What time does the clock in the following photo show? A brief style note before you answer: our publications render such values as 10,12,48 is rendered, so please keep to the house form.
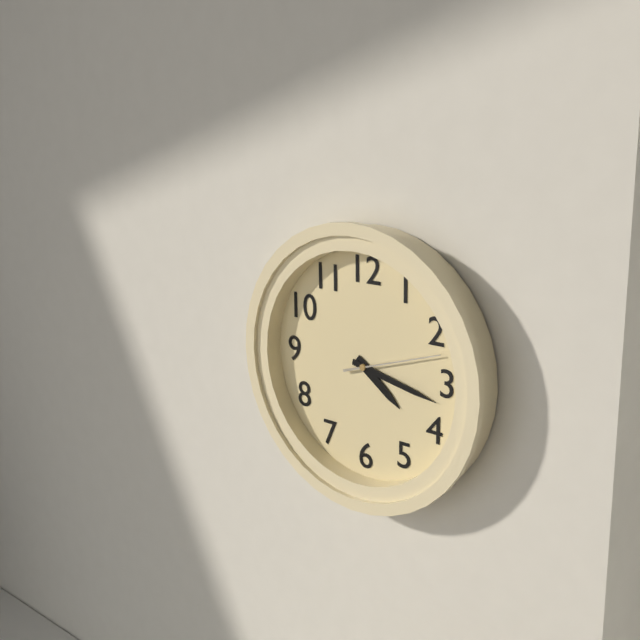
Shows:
4,17,12
